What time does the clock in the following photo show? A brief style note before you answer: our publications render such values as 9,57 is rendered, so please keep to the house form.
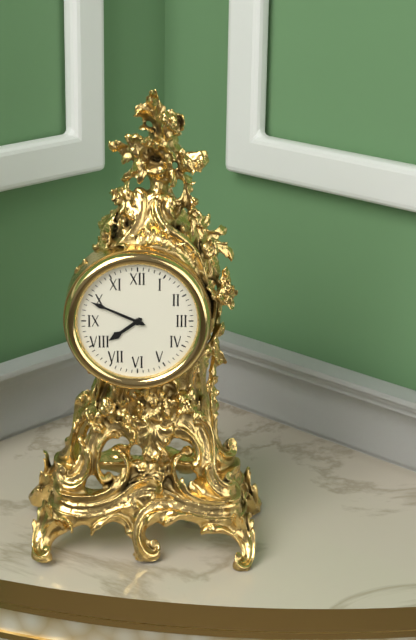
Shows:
7,49
